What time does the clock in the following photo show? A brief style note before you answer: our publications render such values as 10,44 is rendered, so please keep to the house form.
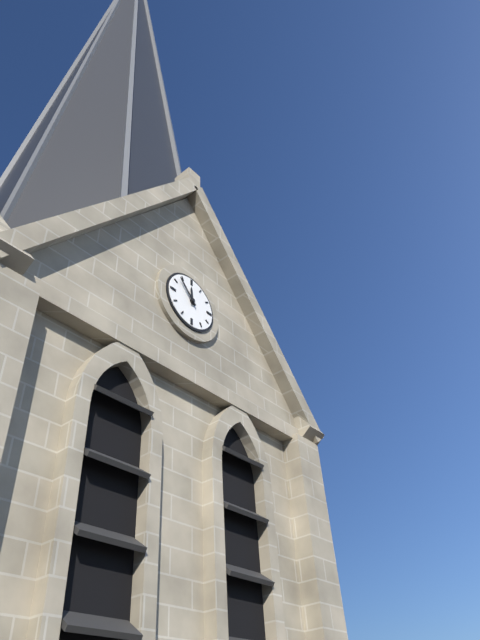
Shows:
11,53
